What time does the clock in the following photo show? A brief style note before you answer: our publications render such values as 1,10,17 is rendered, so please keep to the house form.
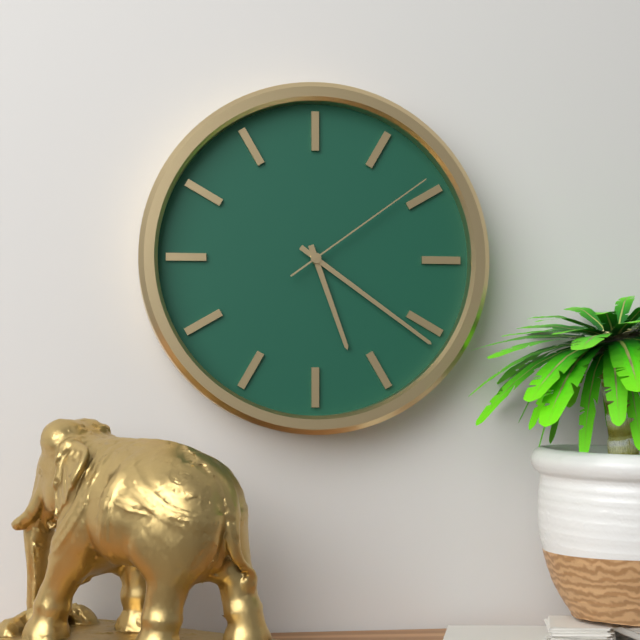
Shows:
5,21,09
